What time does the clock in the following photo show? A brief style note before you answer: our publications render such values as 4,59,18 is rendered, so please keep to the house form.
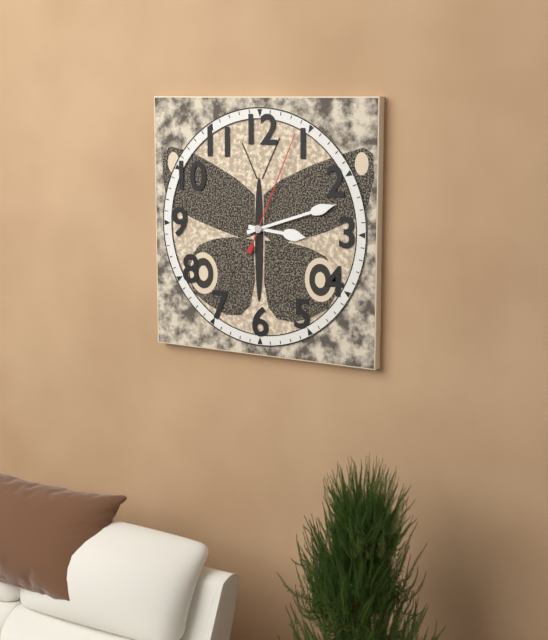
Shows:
3,12,04
